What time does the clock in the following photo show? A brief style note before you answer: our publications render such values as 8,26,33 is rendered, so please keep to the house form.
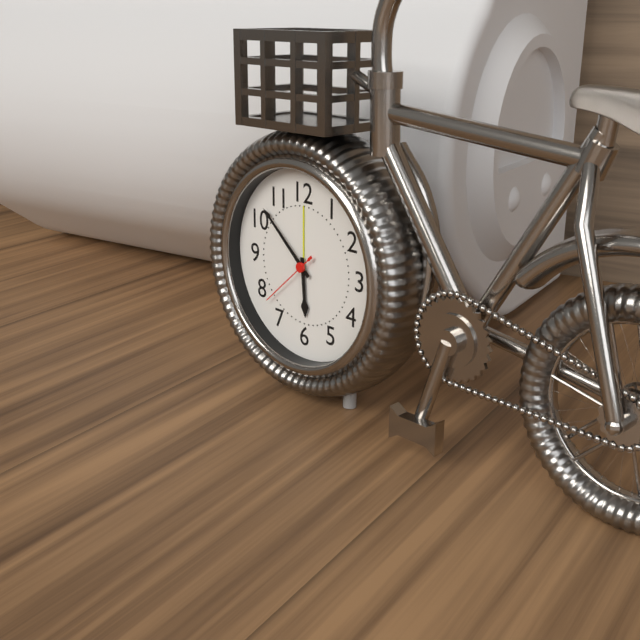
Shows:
5,52,38
